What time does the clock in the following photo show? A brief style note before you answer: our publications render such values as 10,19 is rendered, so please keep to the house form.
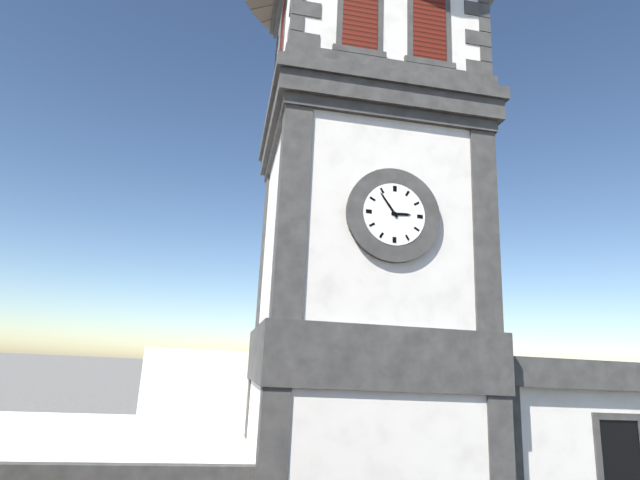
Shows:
2,54
